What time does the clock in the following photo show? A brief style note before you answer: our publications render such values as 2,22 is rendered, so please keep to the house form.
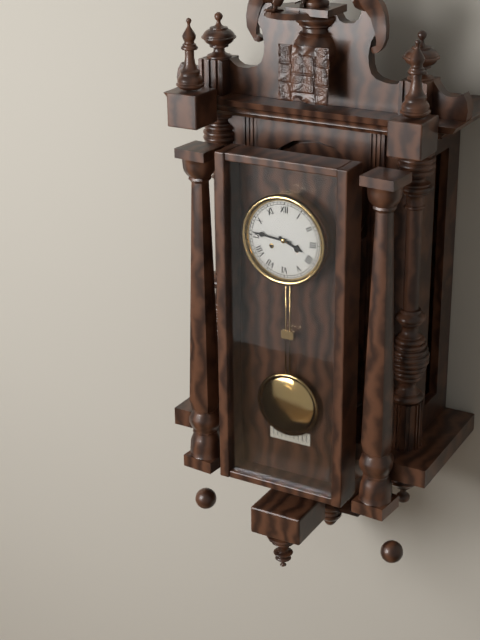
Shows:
3,46
